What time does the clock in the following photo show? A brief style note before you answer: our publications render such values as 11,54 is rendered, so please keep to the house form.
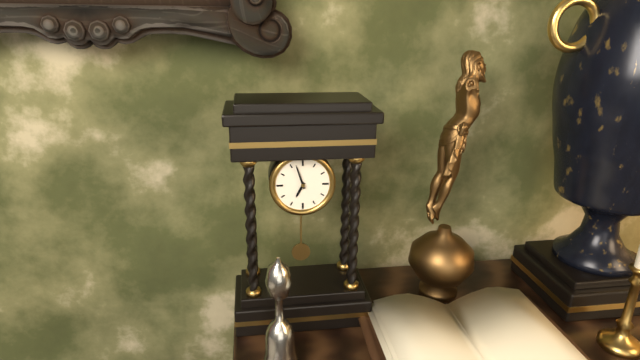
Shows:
6,57
